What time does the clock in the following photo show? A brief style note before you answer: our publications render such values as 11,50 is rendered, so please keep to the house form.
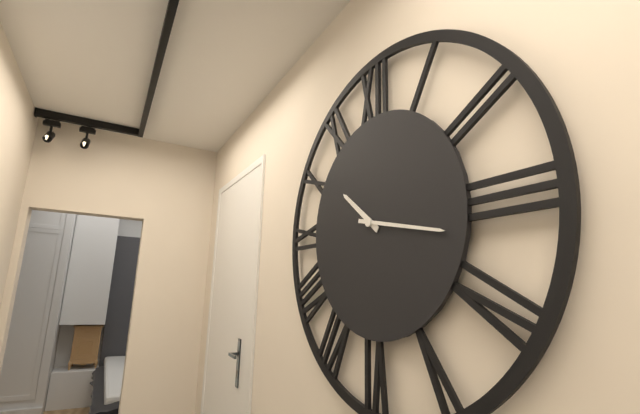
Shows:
10,17
